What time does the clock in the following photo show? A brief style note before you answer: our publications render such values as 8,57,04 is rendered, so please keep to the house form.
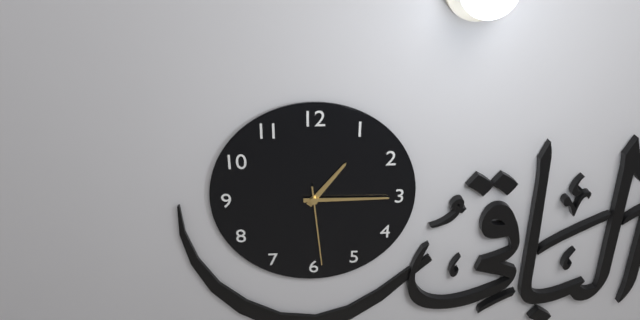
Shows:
1,15,29
